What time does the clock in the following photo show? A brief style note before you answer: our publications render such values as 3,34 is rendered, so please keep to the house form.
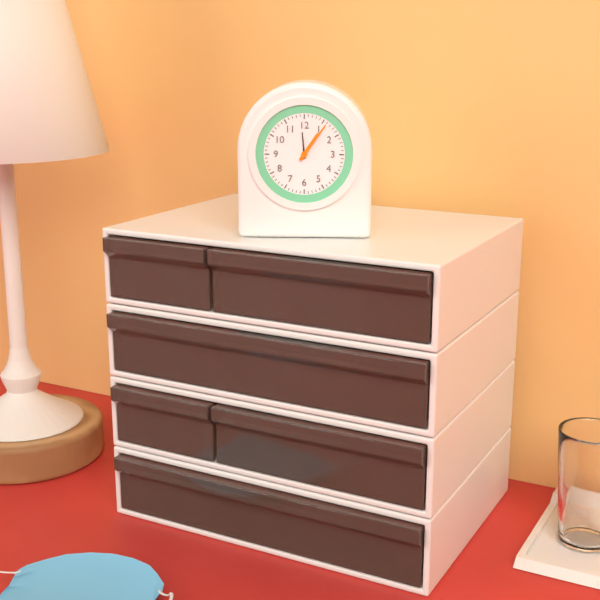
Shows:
1,06
